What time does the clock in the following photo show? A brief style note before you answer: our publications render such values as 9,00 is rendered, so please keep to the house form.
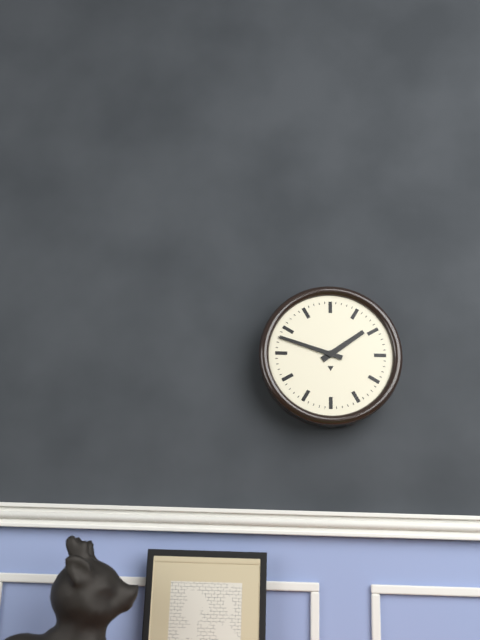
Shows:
1,48
